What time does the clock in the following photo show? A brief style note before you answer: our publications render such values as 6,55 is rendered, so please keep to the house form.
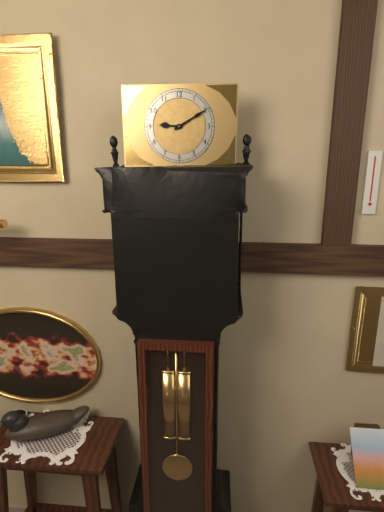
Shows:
9,10
